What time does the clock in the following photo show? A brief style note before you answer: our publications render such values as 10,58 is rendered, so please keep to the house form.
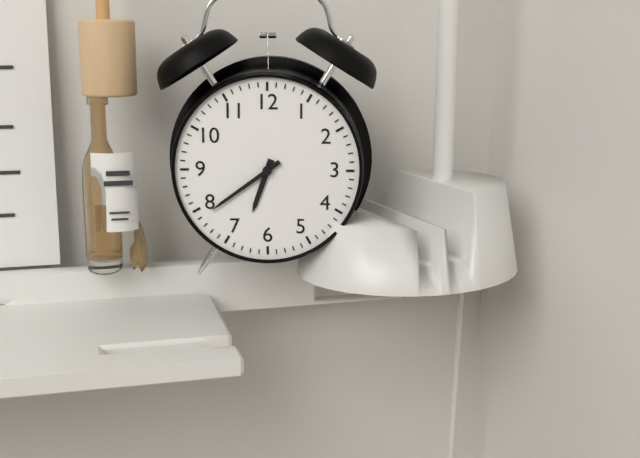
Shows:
6,39
